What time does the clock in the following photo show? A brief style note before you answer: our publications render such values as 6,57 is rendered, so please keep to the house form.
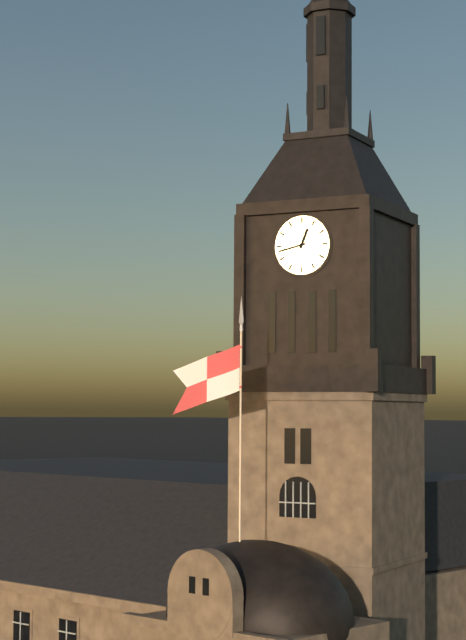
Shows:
12,43
